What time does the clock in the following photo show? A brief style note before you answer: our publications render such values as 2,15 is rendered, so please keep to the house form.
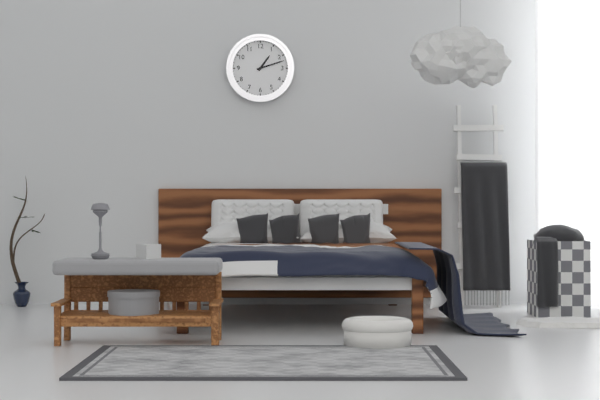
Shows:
1,12
